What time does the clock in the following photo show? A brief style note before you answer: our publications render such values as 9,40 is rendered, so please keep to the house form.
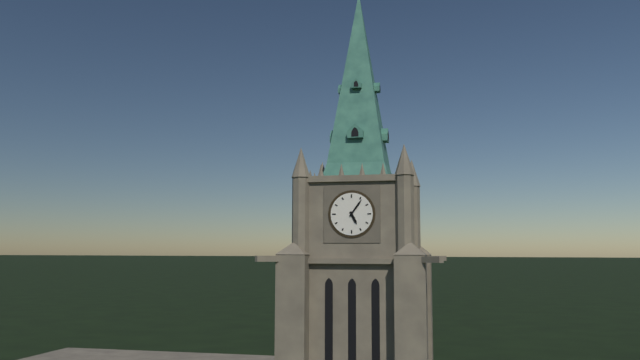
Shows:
5,06
